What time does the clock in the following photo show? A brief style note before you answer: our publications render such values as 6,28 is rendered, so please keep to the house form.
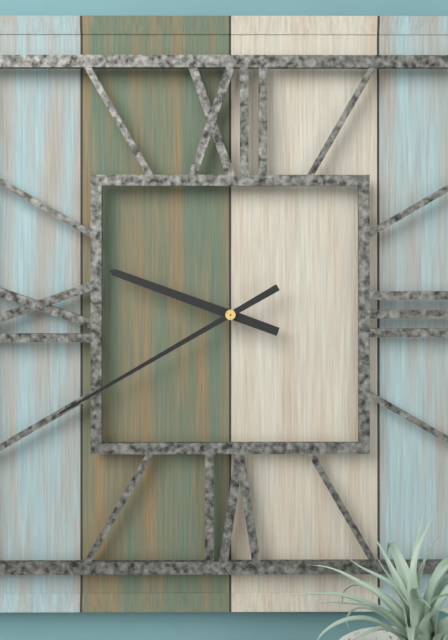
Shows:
9,40
